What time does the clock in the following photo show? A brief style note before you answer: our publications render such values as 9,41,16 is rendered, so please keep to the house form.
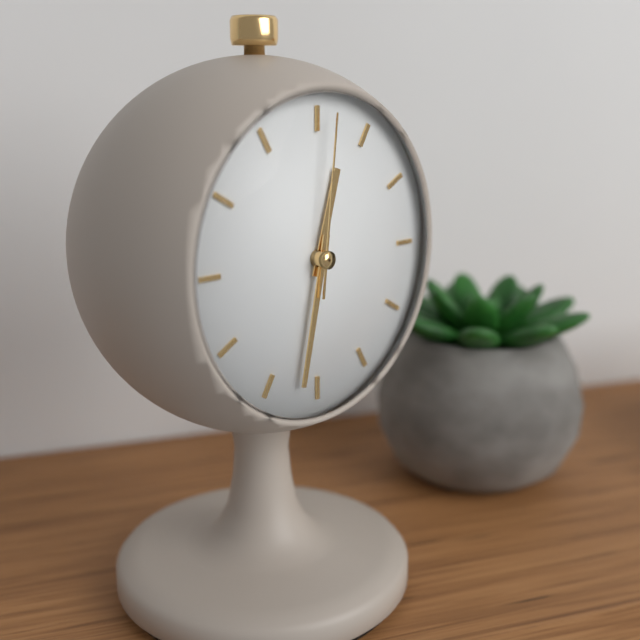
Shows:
12,32,01
